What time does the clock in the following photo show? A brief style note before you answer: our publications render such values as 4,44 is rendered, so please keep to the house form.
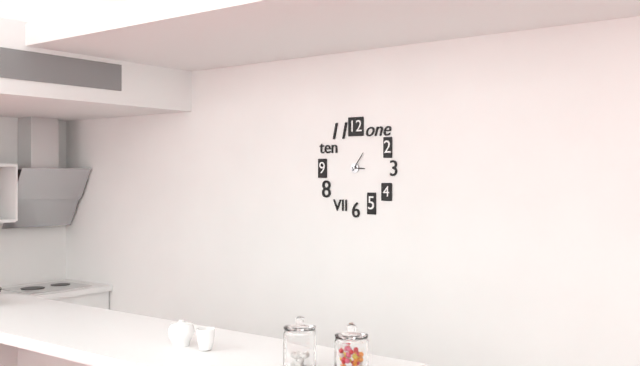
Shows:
3,06
